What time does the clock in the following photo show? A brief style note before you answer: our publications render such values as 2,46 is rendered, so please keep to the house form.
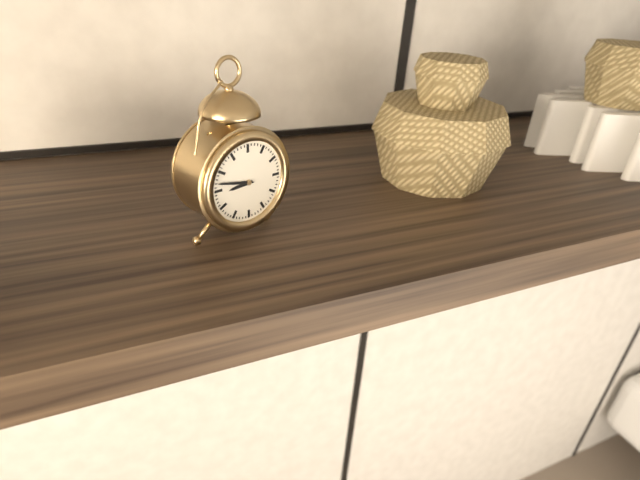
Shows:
8,47
